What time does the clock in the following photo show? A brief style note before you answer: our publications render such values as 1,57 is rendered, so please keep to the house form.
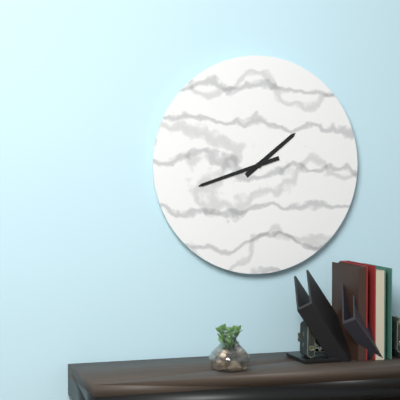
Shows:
1,42
